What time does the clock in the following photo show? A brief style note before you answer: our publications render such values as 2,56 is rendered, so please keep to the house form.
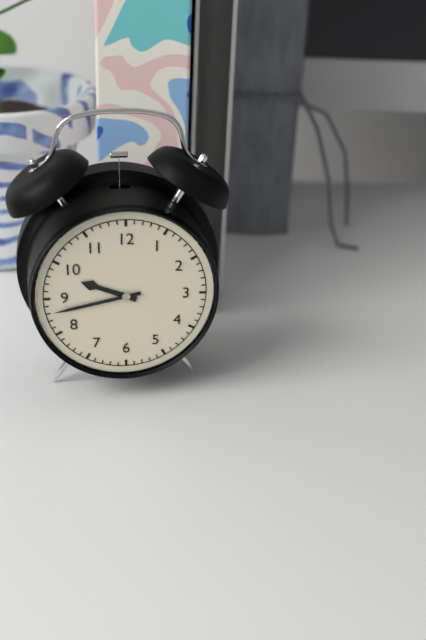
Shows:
9,43
